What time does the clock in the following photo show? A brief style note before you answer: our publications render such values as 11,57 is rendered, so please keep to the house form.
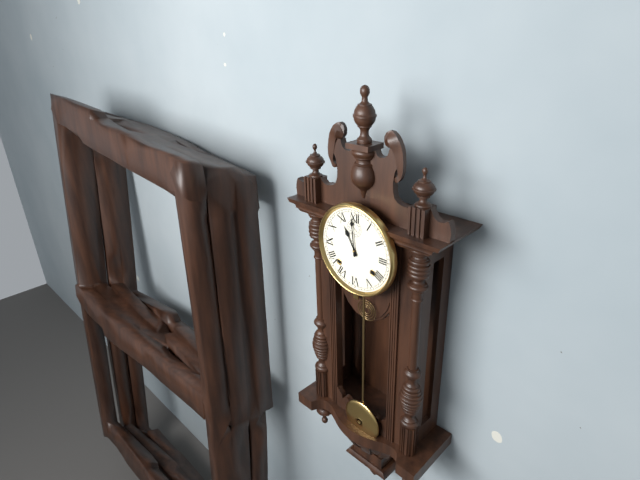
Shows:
10,59
